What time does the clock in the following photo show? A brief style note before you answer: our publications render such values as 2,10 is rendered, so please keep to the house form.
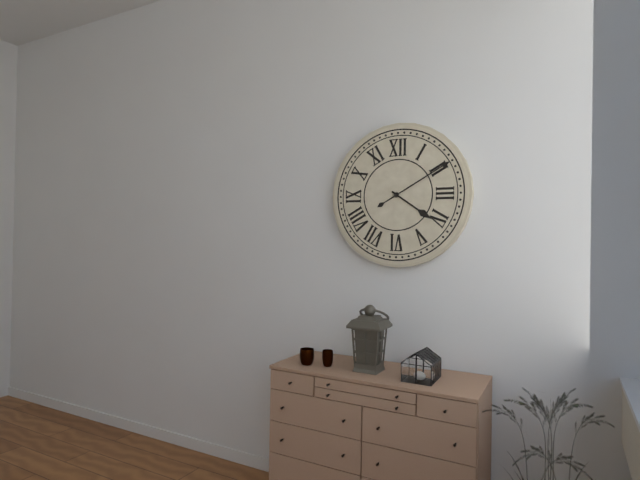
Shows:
4,10
